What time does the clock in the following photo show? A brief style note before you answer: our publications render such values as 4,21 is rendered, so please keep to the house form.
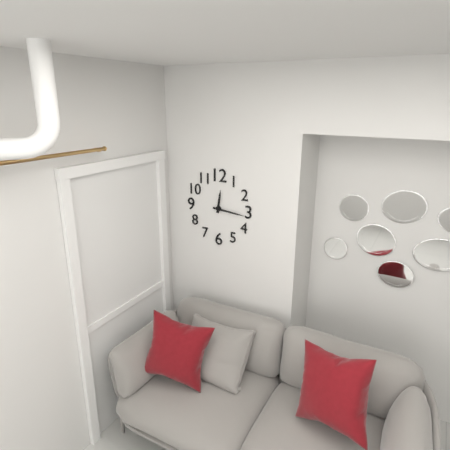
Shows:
12,16
